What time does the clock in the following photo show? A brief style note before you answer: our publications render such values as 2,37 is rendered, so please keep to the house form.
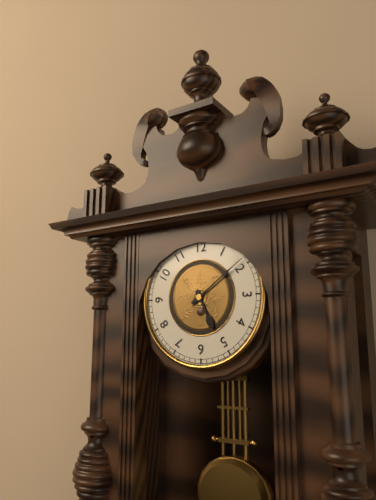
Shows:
5,09
